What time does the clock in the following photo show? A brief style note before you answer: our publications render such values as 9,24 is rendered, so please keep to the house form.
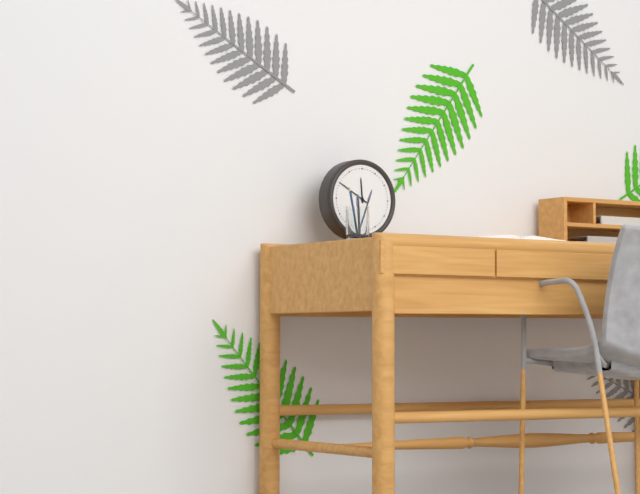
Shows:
11,50
